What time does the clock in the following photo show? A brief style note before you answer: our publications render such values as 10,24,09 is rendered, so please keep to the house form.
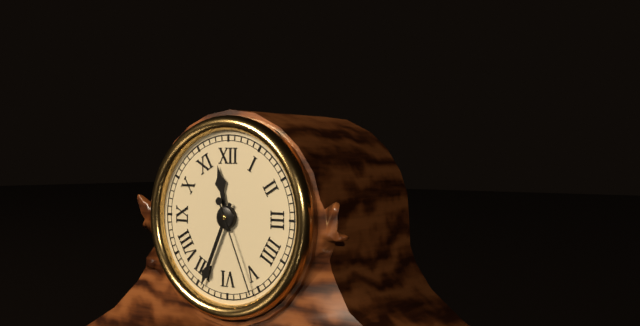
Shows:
11,34,26
